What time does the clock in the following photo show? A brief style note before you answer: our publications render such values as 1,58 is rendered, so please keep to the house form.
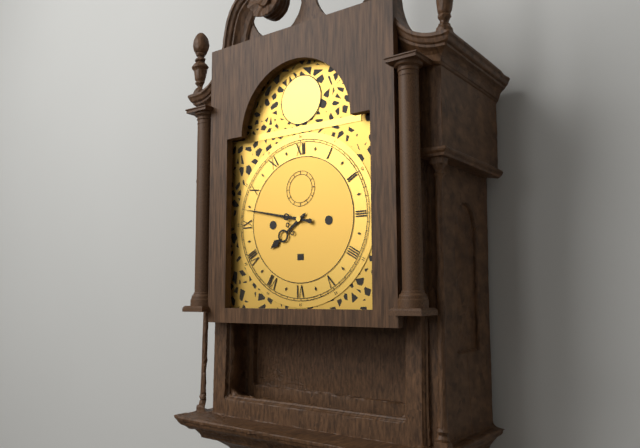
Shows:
7,47
